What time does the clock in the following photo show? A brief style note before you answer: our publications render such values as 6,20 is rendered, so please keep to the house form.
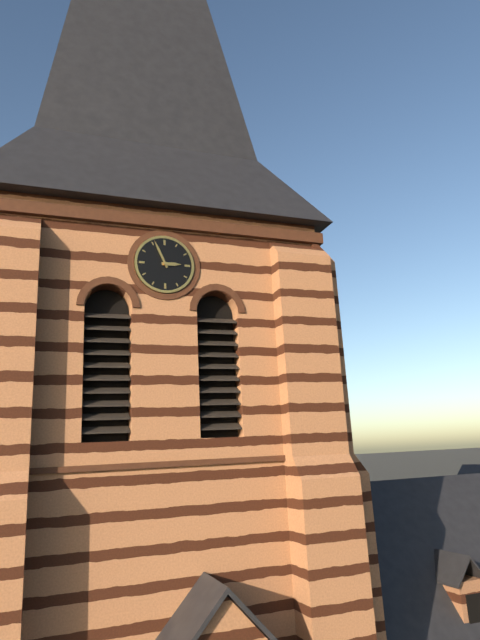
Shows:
2,56
